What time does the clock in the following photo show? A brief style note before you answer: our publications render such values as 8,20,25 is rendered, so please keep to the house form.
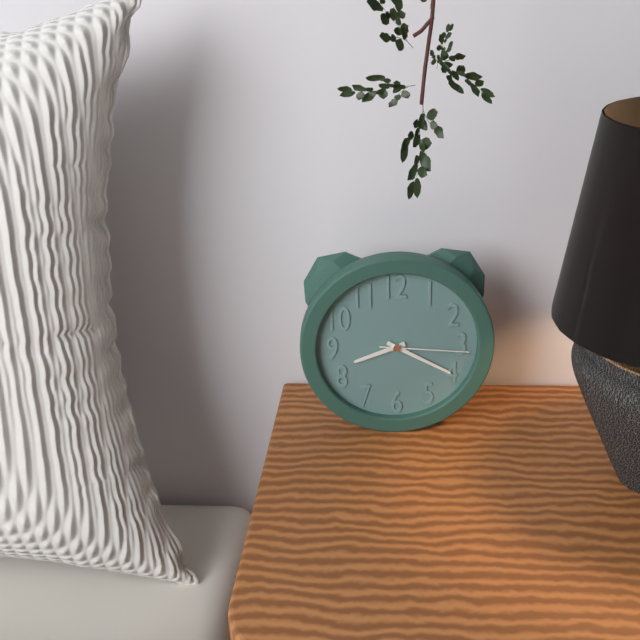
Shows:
8,20,16
